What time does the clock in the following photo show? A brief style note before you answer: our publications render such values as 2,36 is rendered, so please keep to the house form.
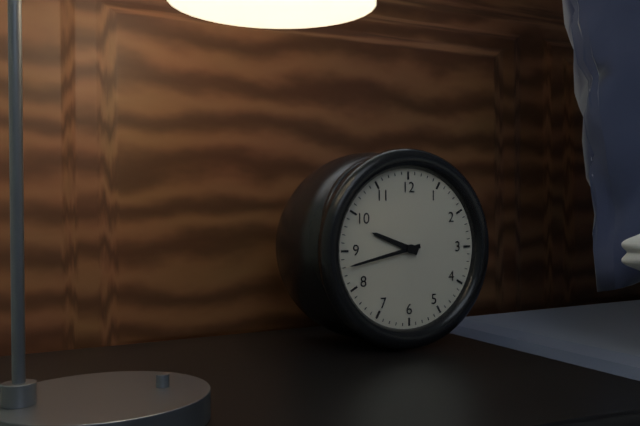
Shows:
9,43
